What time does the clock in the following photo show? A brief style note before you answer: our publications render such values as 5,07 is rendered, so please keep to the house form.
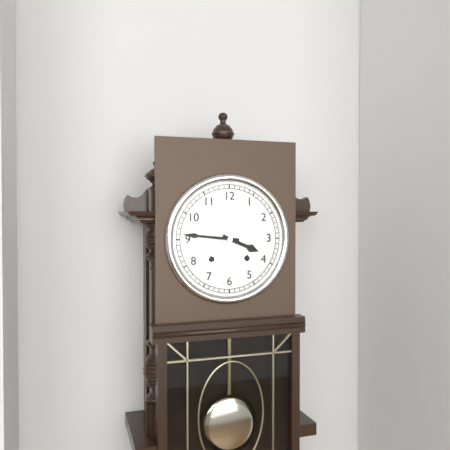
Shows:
3,46
